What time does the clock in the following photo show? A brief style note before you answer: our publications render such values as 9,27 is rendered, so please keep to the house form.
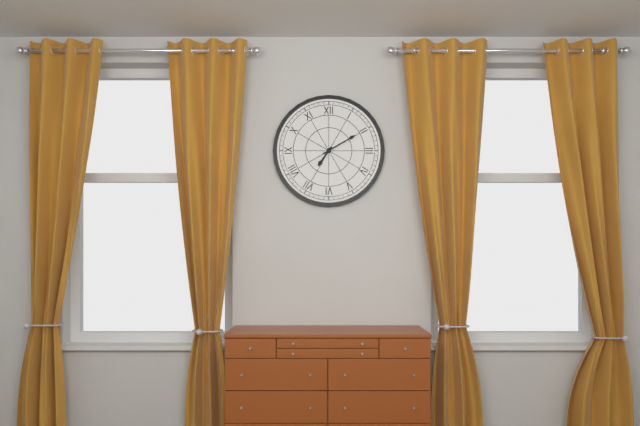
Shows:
7,10
